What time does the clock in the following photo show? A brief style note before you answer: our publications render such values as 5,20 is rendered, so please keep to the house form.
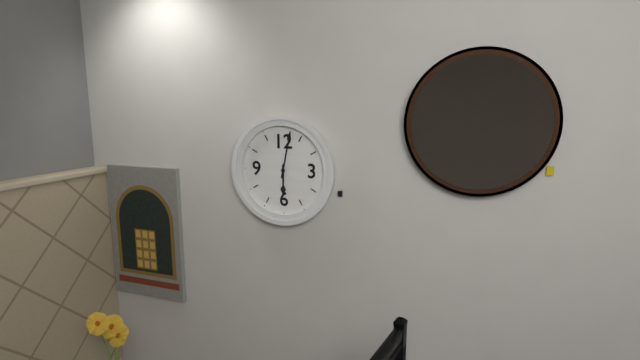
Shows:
6,02
